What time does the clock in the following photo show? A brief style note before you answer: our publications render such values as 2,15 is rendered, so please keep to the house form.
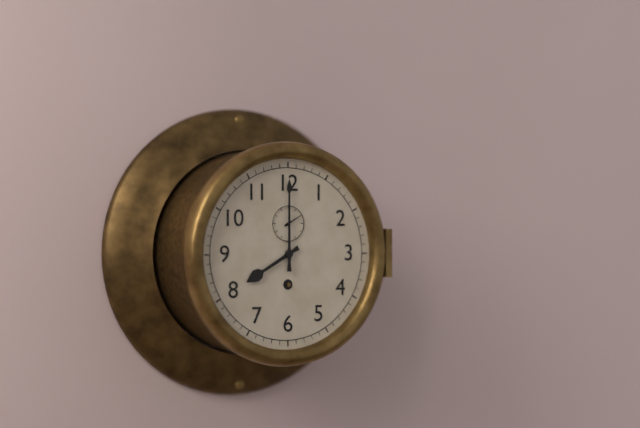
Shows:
8,00
